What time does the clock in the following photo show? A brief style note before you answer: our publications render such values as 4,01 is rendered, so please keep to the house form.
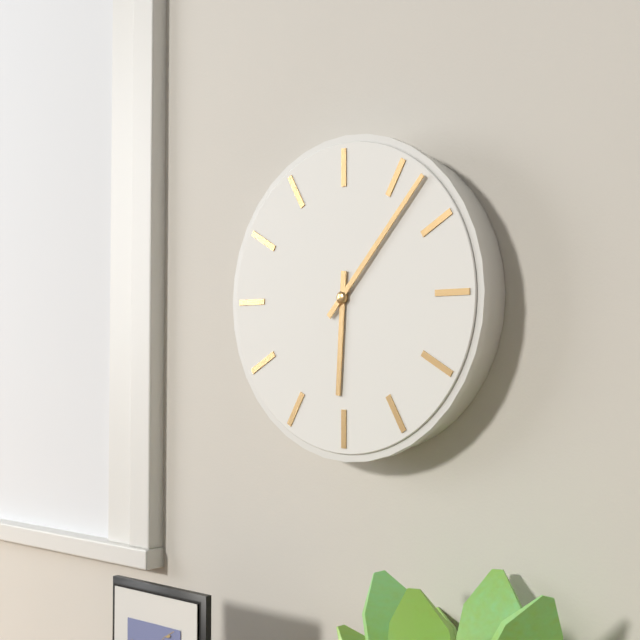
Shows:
6,07
